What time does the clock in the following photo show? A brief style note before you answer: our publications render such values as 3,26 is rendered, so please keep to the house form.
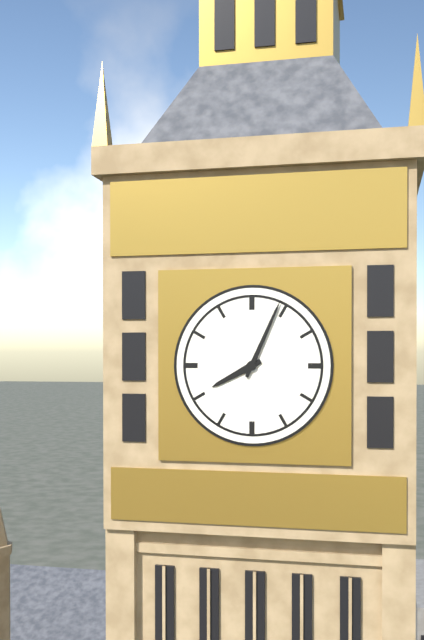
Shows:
8,04
